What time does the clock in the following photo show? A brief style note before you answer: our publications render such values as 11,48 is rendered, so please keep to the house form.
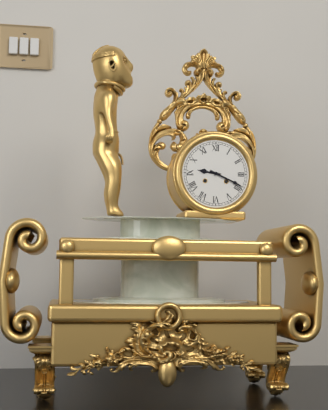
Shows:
9,19
